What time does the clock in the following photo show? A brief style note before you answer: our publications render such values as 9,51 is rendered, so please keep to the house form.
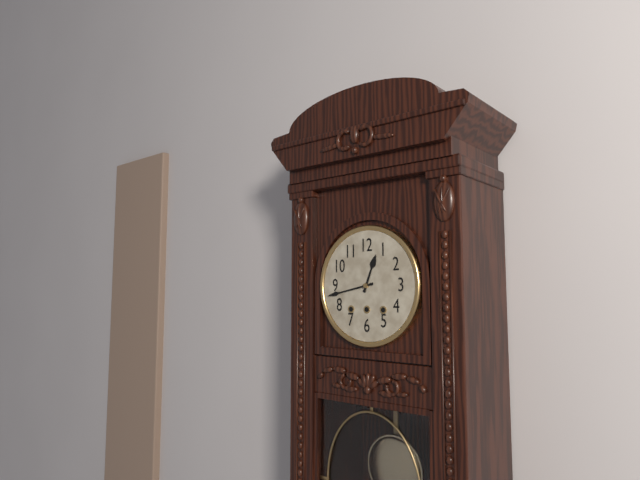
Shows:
12,43
